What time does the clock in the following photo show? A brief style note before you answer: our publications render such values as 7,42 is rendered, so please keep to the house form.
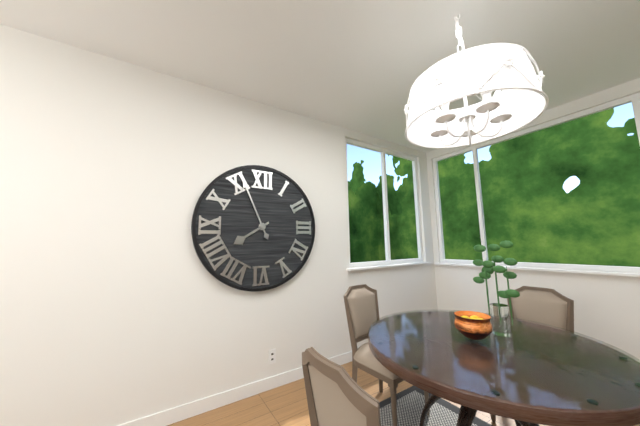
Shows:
7,56
